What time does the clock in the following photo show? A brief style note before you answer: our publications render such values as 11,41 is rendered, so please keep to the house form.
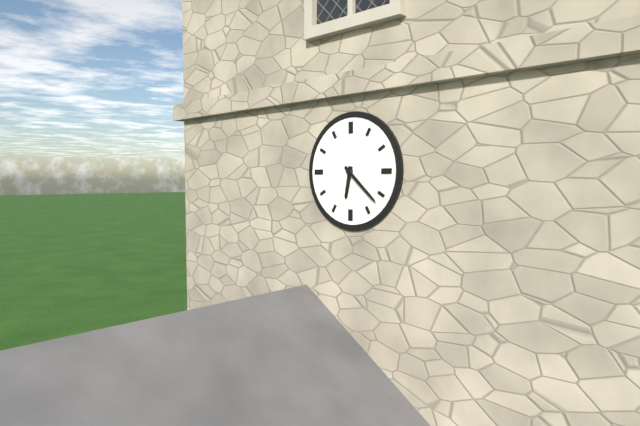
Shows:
6,22
